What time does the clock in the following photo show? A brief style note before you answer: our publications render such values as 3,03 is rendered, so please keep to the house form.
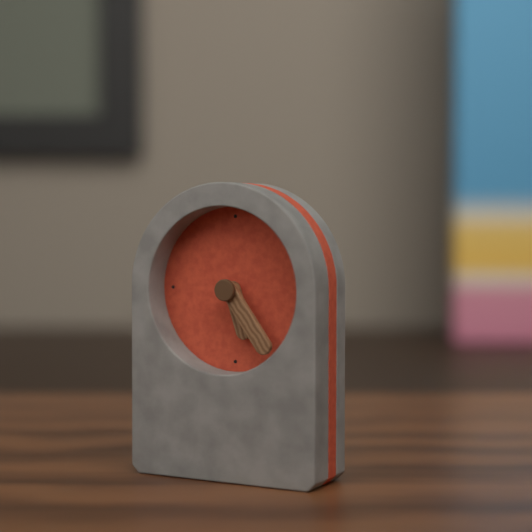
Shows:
5,24
